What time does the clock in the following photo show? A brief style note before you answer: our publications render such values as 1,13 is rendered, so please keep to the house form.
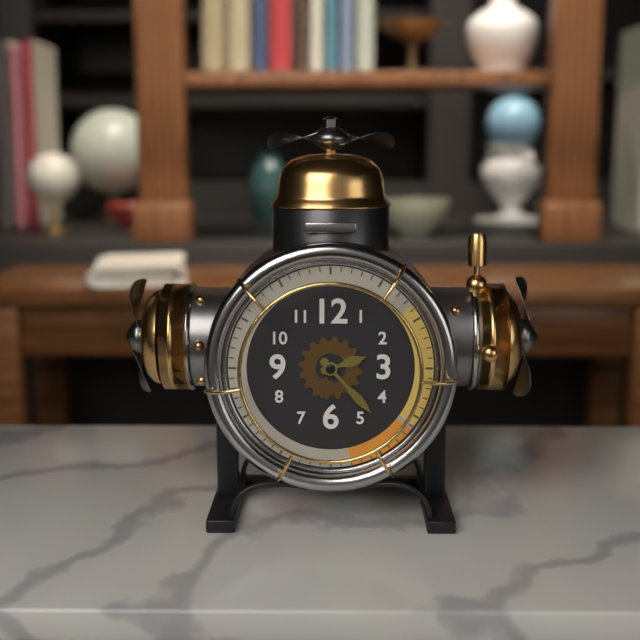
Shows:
2,23
